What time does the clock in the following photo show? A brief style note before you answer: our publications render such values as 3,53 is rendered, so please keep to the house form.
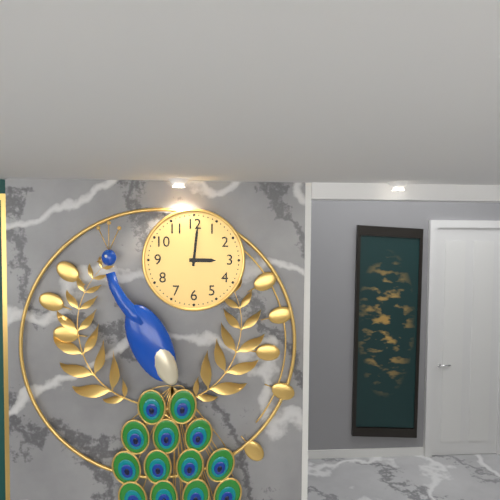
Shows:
3,01
